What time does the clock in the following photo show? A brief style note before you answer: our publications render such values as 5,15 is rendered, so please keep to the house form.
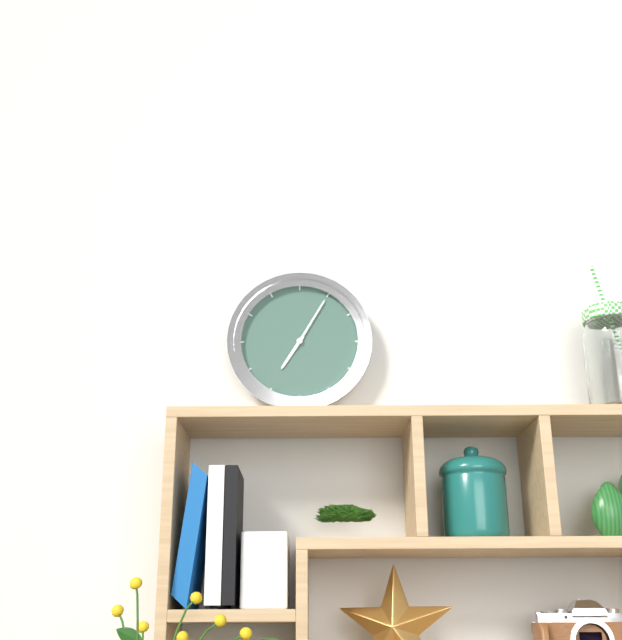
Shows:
7,05
